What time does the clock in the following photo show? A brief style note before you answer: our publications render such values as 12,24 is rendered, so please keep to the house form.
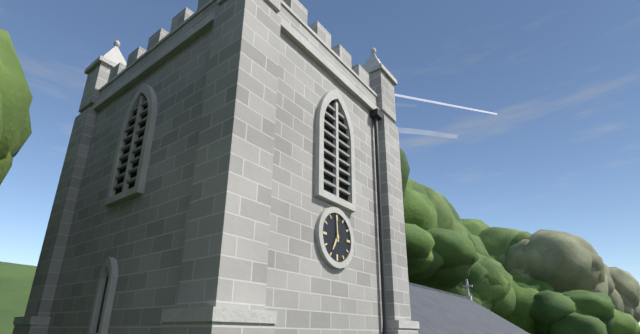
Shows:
6,59
